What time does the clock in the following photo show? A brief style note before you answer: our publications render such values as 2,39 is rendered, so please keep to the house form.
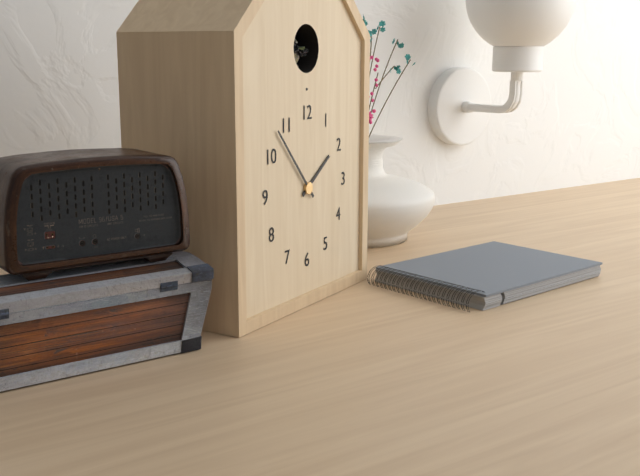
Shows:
1,53
